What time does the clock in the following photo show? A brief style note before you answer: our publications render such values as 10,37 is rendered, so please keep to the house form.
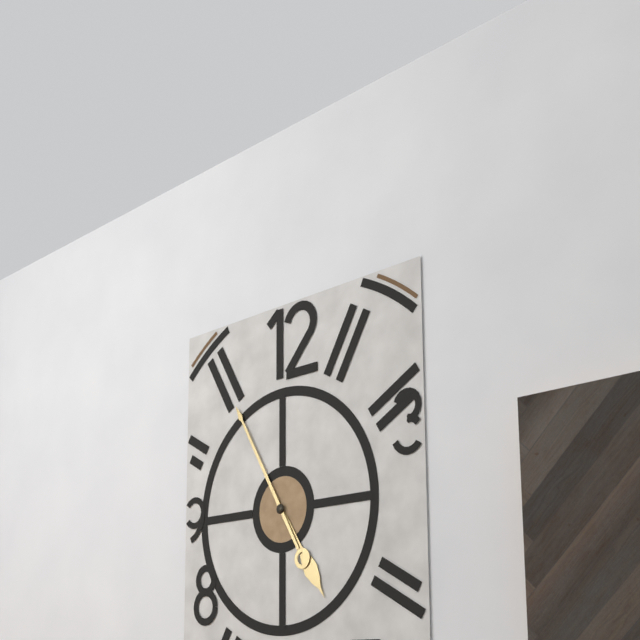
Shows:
4,55
